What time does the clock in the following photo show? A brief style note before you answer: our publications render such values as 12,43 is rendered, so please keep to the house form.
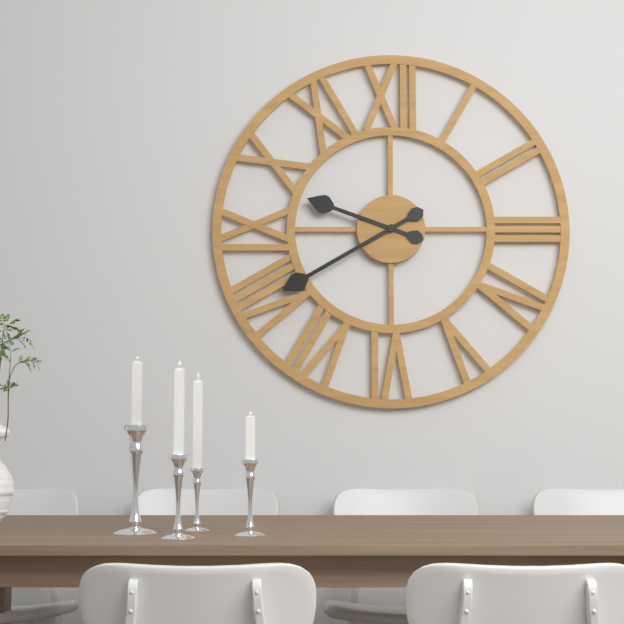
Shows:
9,40
